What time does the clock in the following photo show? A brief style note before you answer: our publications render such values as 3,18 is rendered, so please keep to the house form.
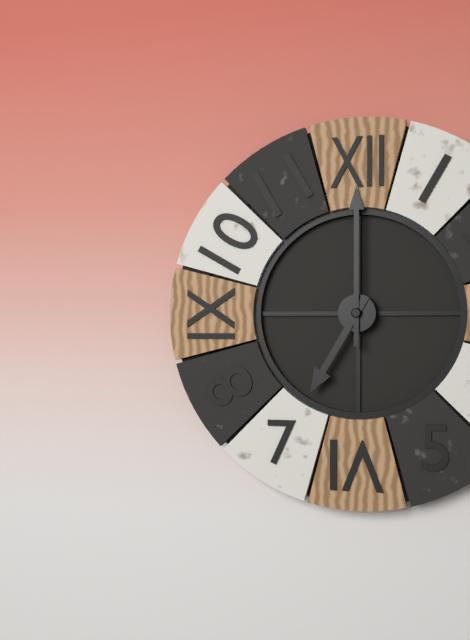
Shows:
7,00
